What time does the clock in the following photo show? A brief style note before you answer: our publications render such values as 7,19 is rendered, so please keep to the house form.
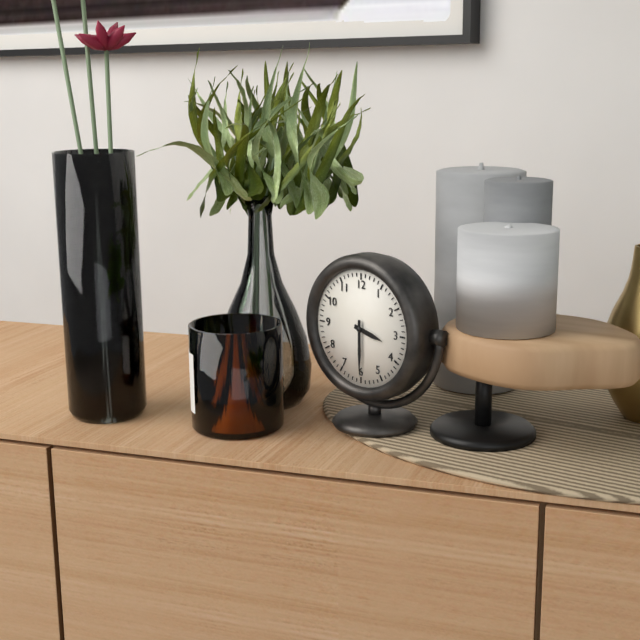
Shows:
3,30
